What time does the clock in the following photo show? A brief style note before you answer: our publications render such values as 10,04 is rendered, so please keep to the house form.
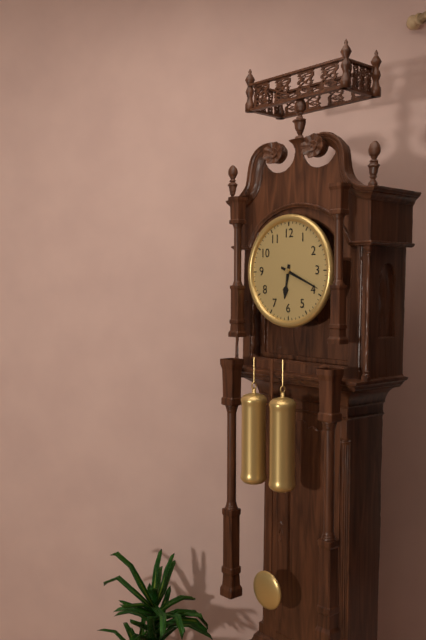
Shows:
6,19
